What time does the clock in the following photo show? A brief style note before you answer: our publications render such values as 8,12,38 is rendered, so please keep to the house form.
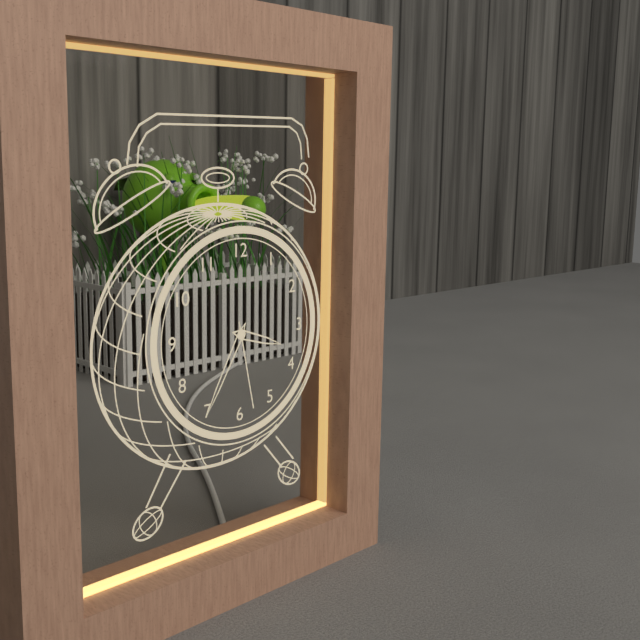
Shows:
3,35,28
